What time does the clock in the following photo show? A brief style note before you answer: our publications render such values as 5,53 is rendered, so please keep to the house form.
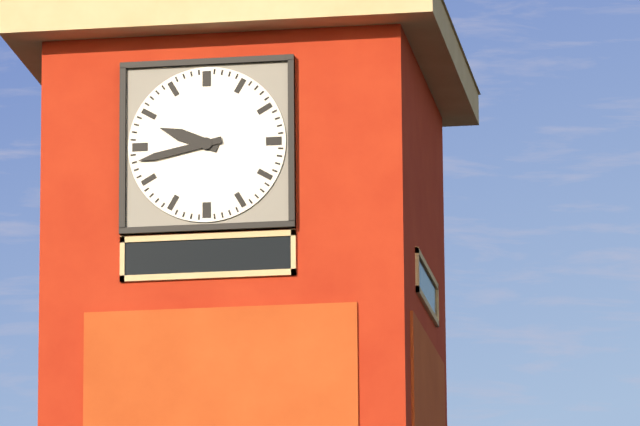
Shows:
9,43
